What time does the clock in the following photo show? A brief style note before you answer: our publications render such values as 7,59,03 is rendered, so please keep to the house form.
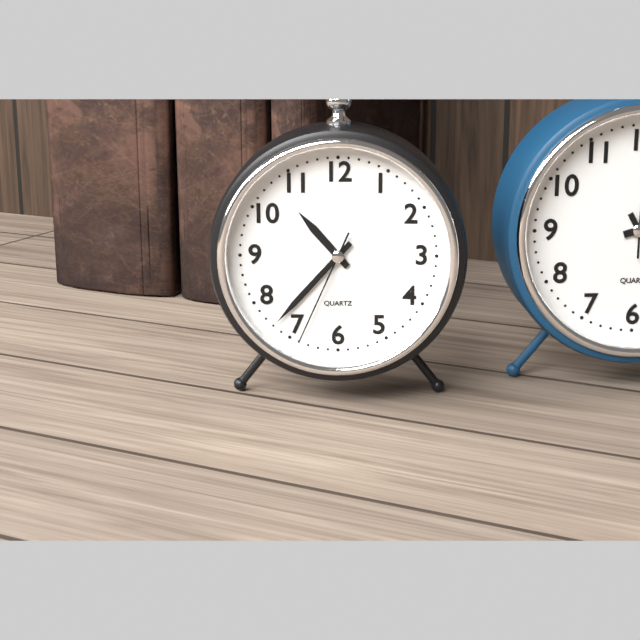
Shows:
10,37,34
